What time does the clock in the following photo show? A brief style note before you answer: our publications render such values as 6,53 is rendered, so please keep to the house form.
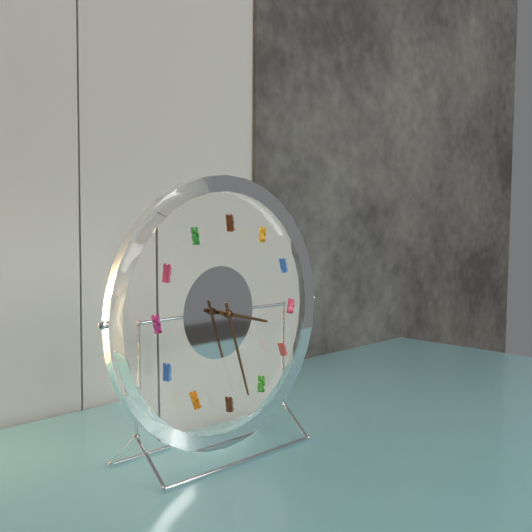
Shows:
3,27
